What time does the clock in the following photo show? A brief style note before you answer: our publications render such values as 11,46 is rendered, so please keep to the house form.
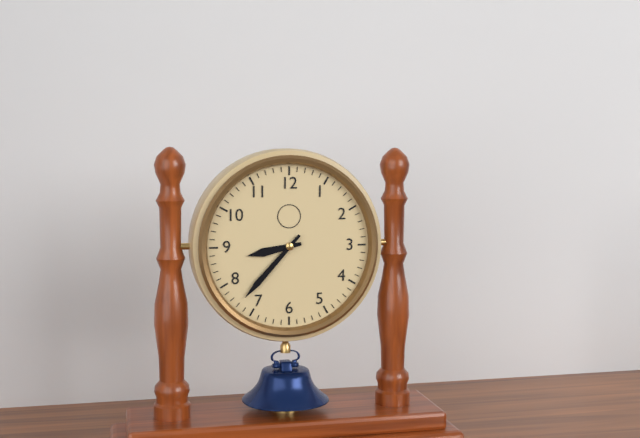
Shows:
8,37
